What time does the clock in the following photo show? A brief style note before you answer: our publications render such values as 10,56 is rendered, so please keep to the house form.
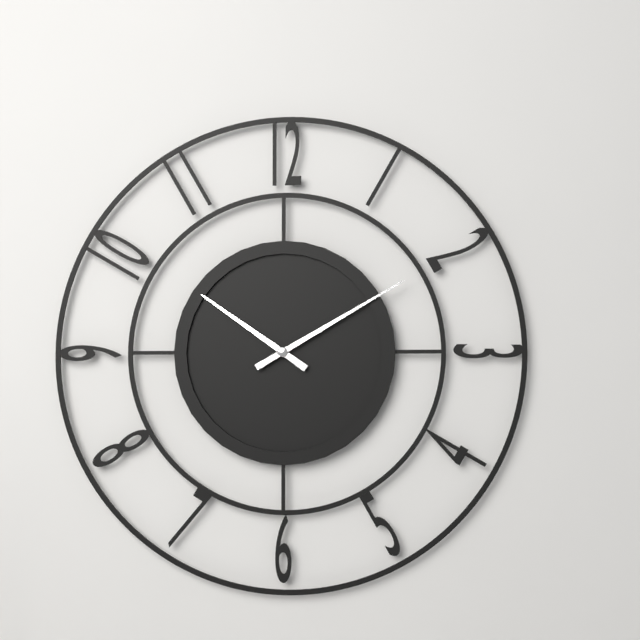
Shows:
10,10
